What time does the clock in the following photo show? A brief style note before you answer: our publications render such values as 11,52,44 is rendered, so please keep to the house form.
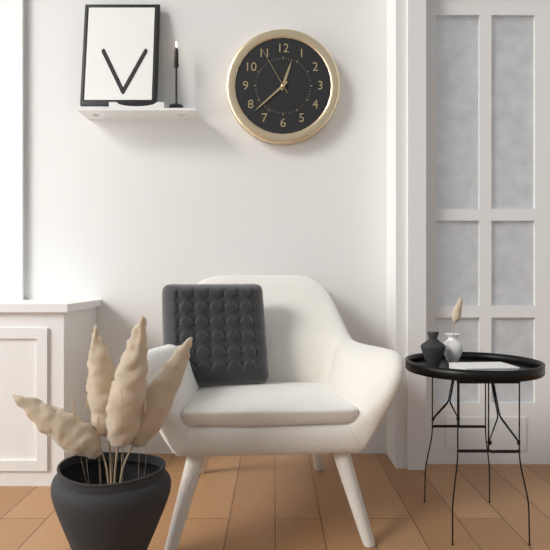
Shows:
12,38,55
